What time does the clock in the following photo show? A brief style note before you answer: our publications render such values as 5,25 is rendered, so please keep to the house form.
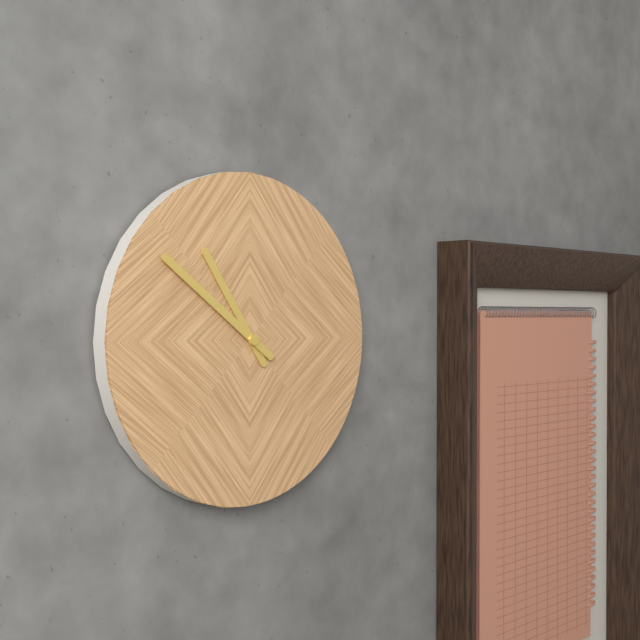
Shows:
10,51
